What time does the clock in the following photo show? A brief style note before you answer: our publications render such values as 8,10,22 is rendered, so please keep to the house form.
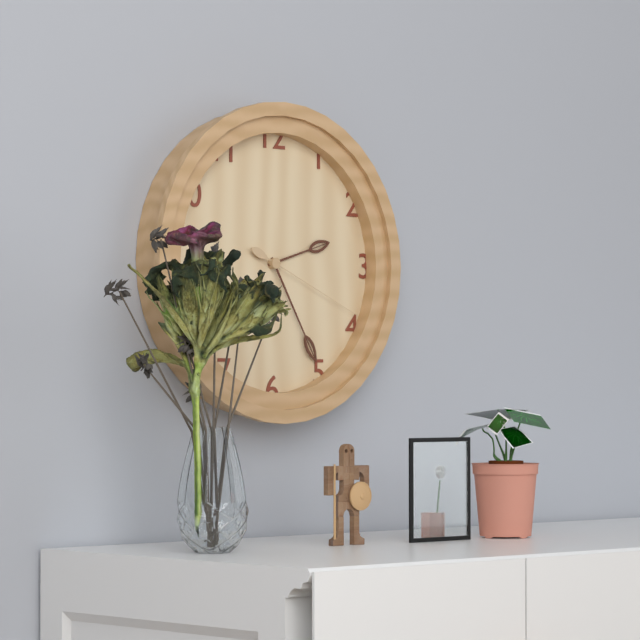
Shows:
2,25,19
